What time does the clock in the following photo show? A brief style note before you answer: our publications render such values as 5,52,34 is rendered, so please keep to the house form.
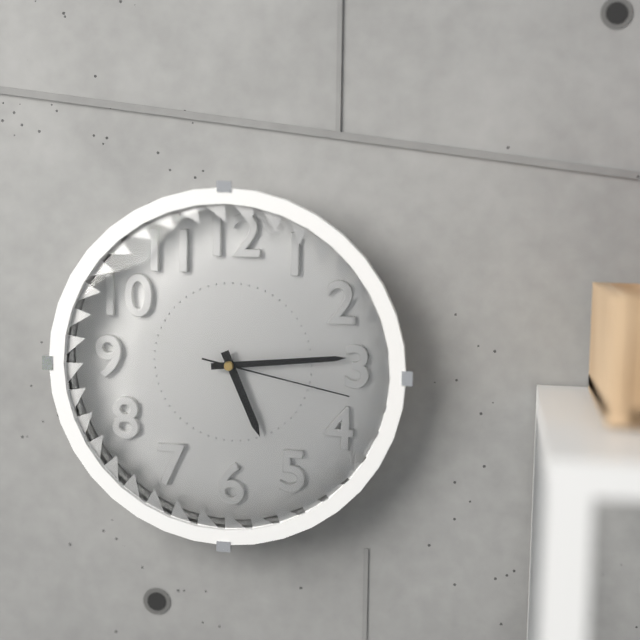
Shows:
5,14,17
